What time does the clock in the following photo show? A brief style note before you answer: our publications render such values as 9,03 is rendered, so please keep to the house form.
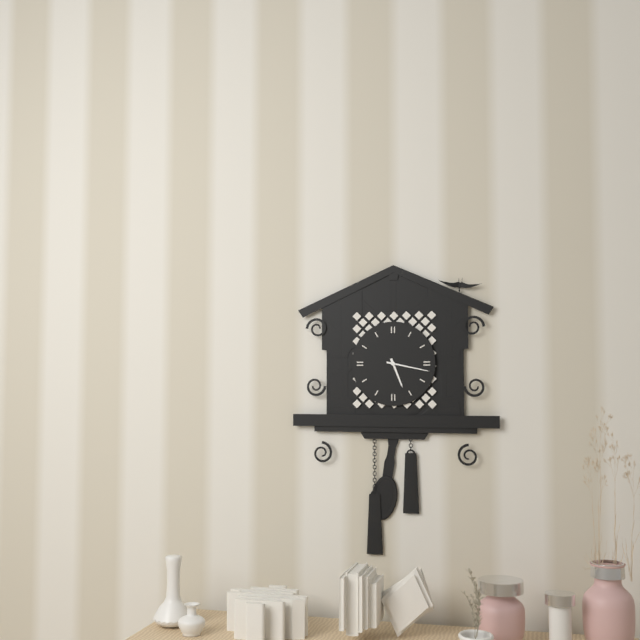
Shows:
5,17
